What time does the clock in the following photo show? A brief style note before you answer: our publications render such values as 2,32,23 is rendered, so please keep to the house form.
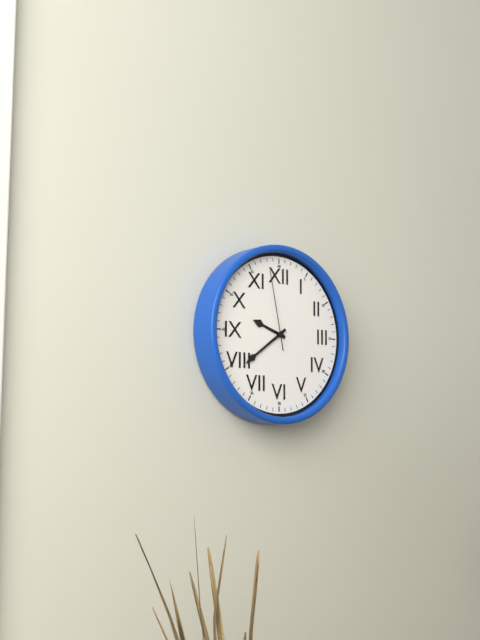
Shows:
9,39,58
